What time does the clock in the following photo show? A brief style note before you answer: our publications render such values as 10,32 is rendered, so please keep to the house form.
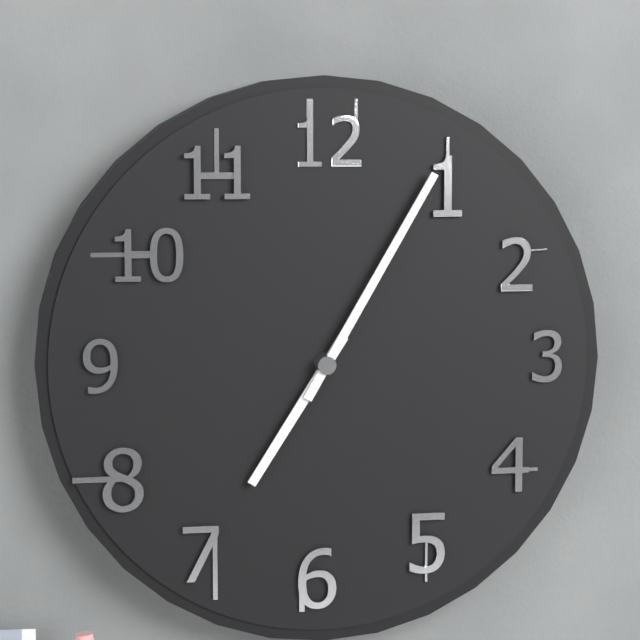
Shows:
7,05
